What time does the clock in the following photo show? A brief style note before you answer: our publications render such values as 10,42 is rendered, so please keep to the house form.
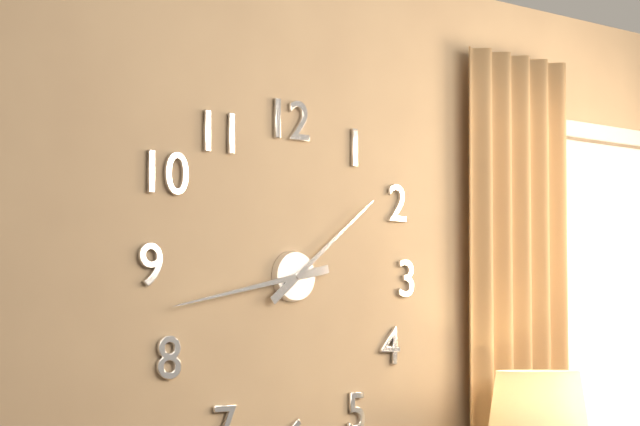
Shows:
1,43
